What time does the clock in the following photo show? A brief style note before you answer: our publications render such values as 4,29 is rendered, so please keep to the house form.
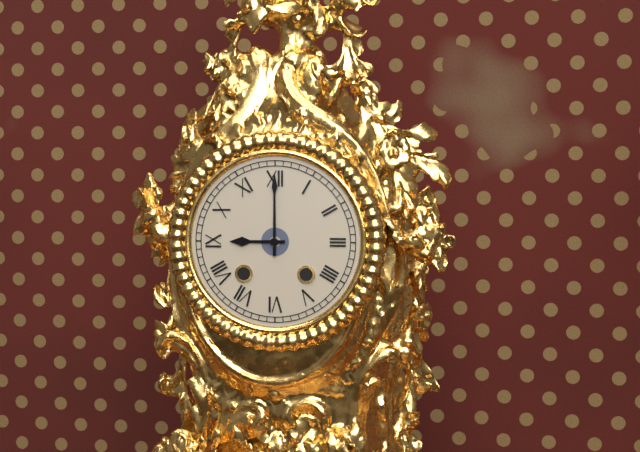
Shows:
9,00
